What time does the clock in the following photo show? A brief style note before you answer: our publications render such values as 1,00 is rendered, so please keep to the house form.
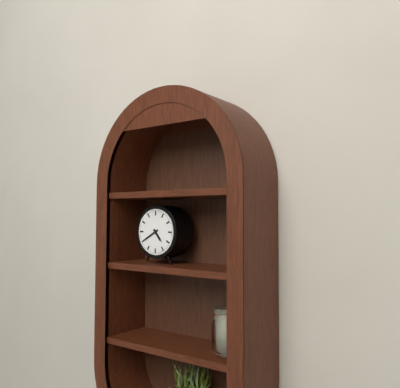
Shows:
4,40
